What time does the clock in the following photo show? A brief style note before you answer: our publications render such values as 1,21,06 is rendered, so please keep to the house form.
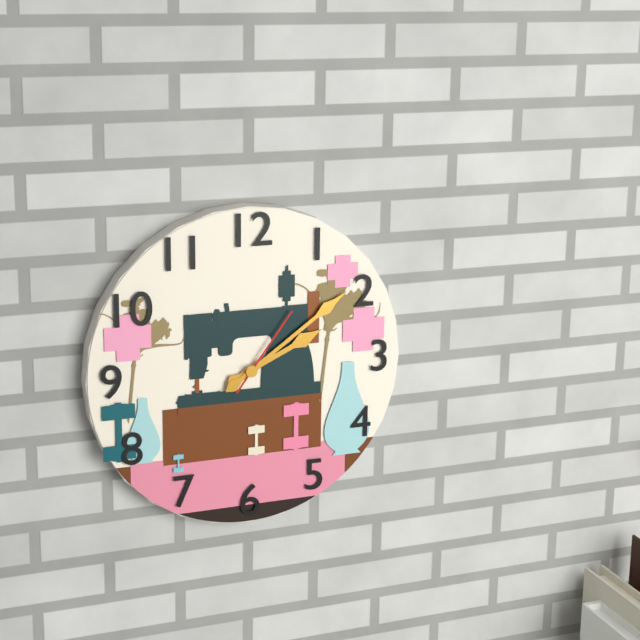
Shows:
2,09,06
